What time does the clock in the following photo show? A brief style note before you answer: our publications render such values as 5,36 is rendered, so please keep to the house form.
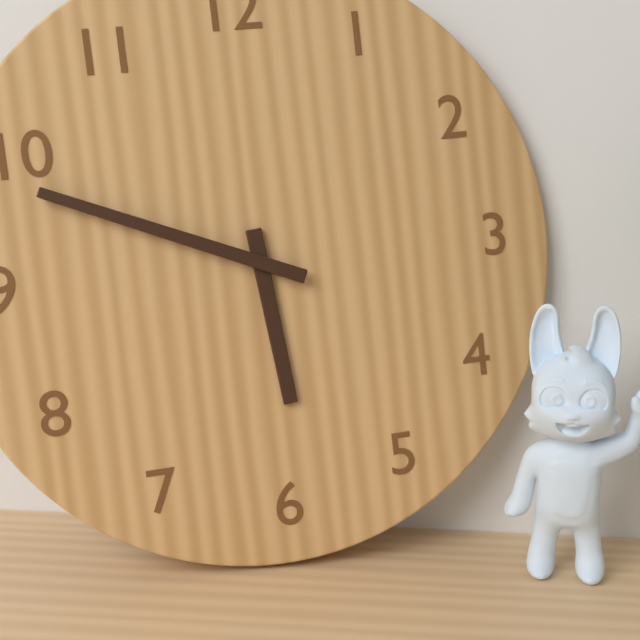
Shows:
5,49
